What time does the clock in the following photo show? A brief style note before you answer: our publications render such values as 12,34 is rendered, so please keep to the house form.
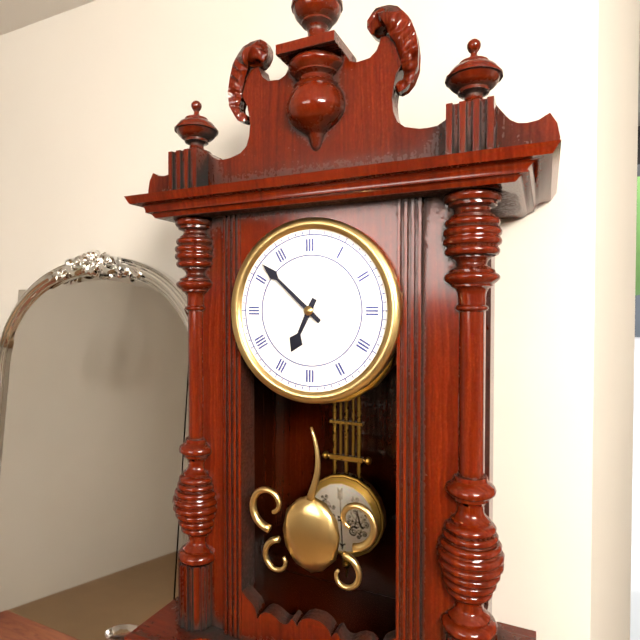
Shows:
6,52
